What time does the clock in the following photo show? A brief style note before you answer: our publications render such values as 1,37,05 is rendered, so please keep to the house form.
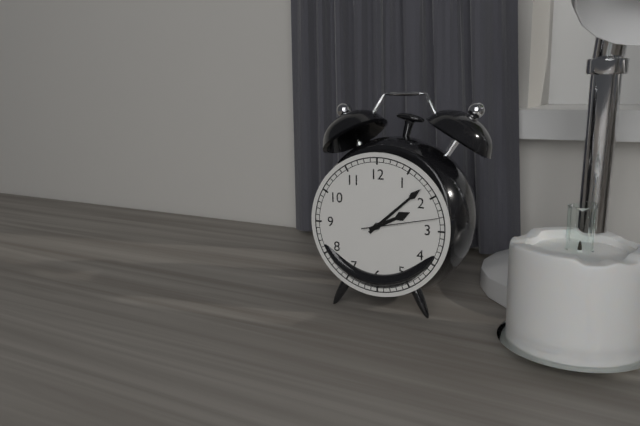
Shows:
2,08,13
